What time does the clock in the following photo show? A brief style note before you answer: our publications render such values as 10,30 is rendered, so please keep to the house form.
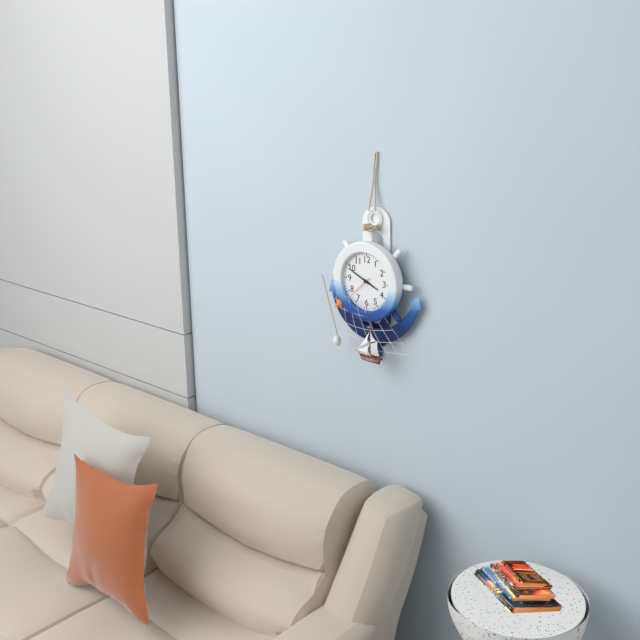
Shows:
3,49
